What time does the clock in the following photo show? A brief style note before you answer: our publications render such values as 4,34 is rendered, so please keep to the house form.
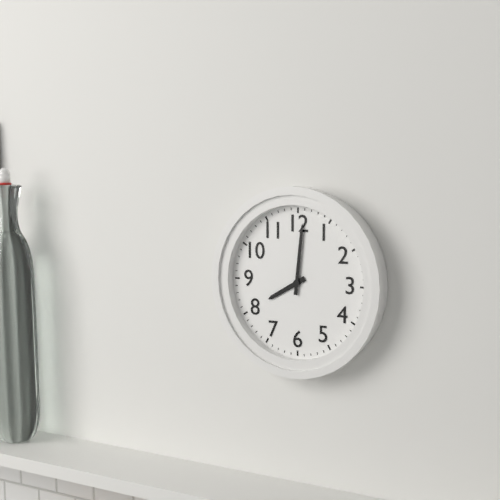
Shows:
8,01
